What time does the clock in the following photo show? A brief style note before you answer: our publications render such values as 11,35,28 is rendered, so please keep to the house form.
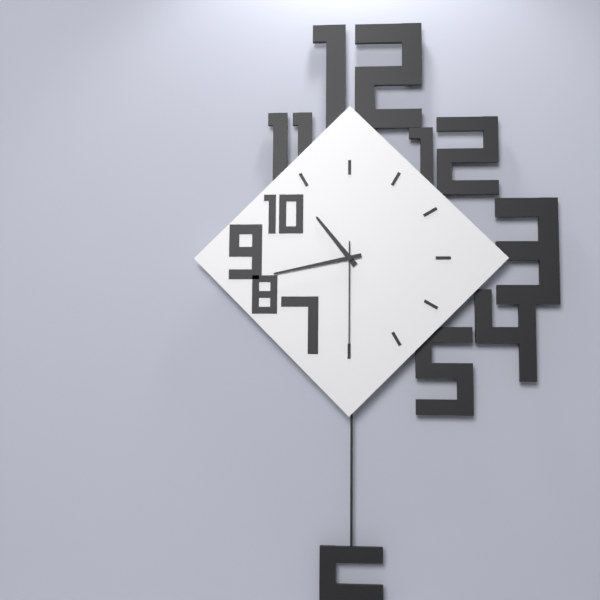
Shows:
10,43,30
